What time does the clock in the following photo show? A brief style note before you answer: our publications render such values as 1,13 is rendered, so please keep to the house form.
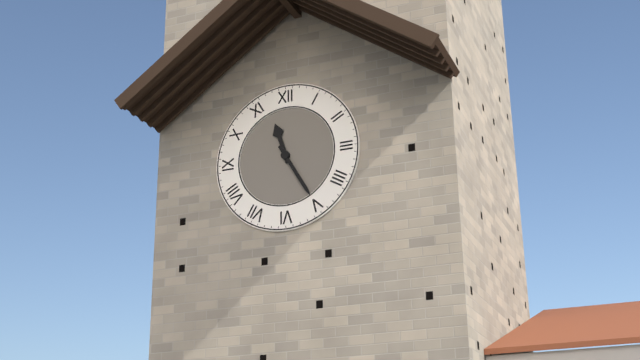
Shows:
11,25
